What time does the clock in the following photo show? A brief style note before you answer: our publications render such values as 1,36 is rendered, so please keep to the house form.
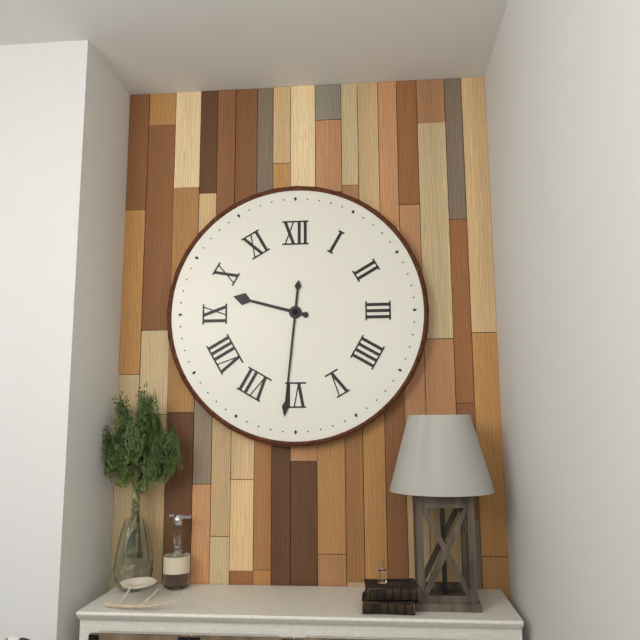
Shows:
9,31
